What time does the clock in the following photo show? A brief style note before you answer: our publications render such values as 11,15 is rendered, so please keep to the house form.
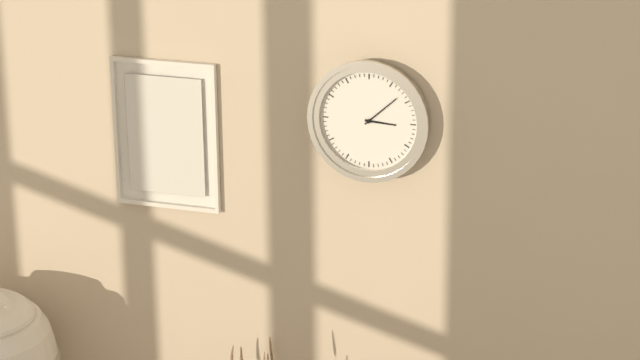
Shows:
3,08
